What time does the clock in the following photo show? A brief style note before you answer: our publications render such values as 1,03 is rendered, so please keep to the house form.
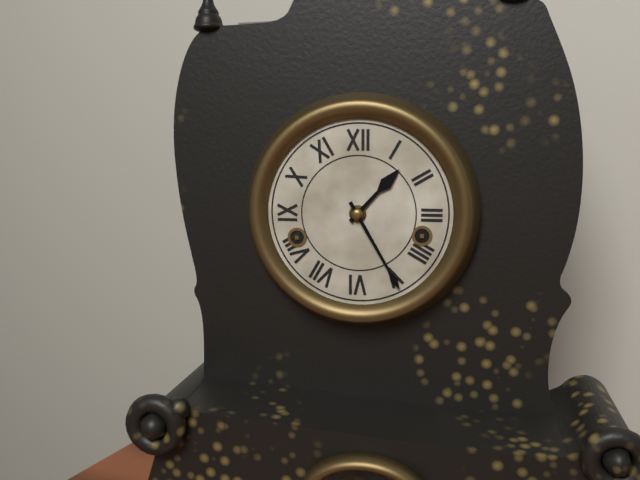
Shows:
1,25
